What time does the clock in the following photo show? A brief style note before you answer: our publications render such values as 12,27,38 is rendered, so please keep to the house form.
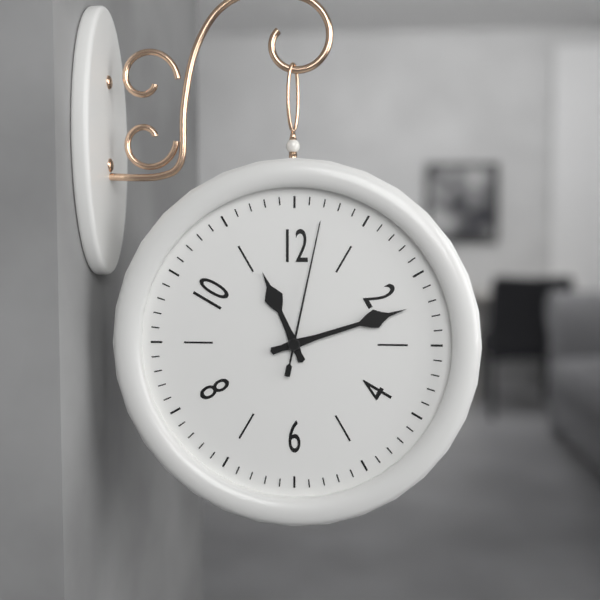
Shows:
11,12,02
